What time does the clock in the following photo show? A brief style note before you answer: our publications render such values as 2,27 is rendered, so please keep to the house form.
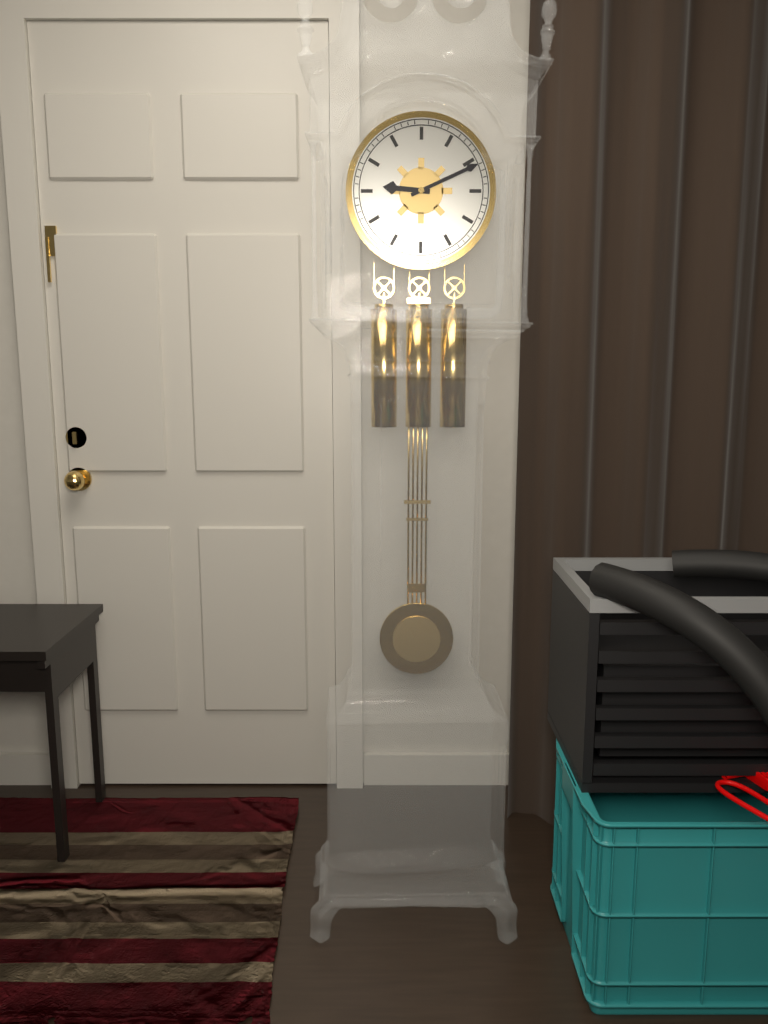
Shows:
9,11
